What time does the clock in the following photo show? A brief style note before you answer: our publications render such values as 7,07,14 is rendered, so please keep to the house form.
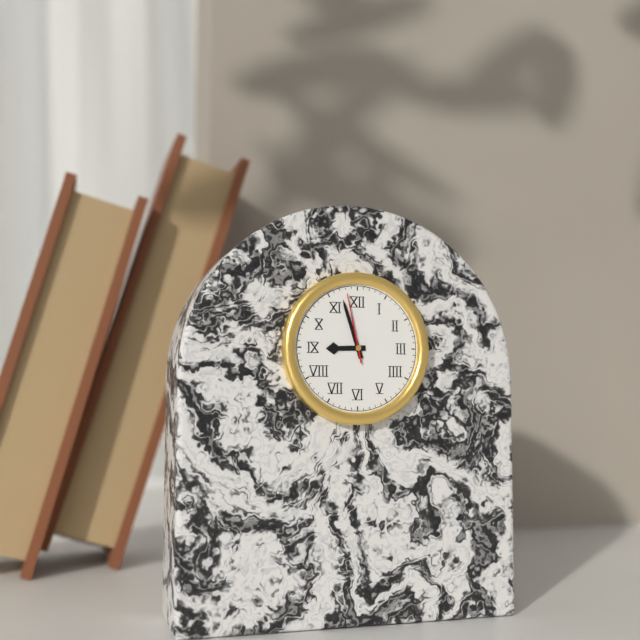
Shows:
8,57,58
